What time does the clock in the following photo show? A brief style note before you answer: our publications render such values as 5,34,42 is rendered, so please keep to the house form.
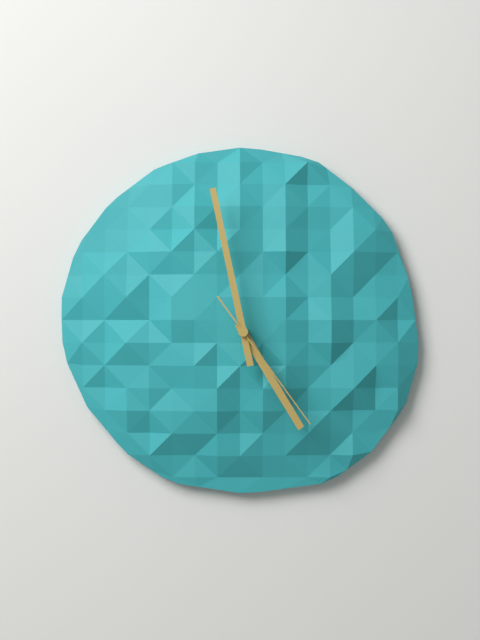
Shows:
4,58,24
